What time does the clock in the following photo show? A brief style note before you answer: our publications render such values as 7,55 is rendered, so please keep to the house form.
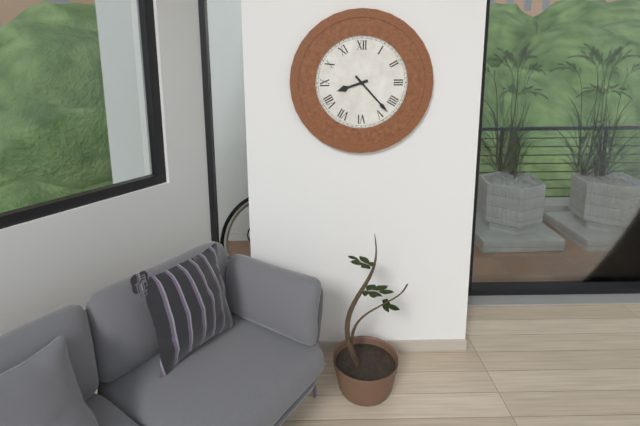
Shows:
8,23
